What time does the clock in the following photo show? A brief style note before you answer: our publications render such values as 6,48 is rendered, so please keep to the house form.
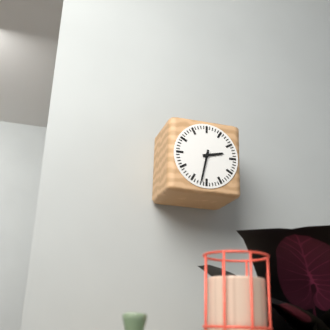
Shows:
2,32
